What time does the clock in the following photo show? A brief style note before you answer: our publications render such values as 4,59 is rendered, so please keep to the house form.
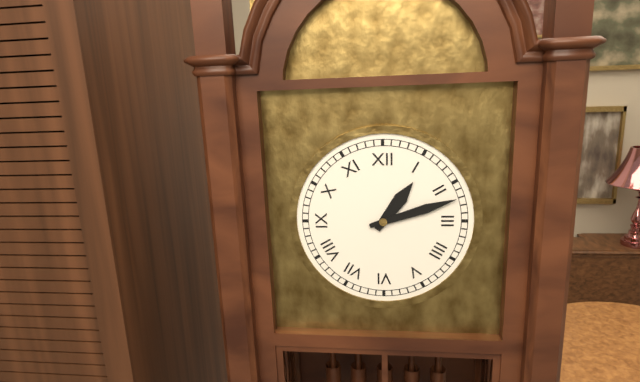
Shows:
1,12
